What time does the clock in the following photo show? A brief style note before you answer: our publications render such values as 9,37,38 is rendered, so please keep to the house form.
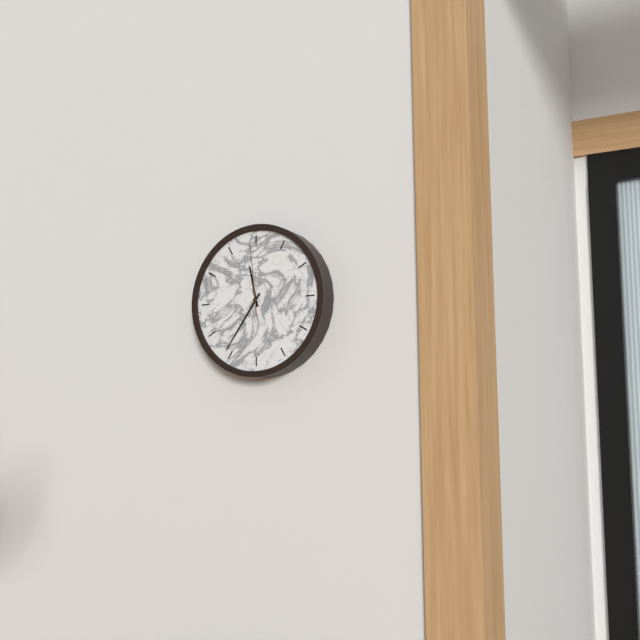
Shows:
11,36,59
